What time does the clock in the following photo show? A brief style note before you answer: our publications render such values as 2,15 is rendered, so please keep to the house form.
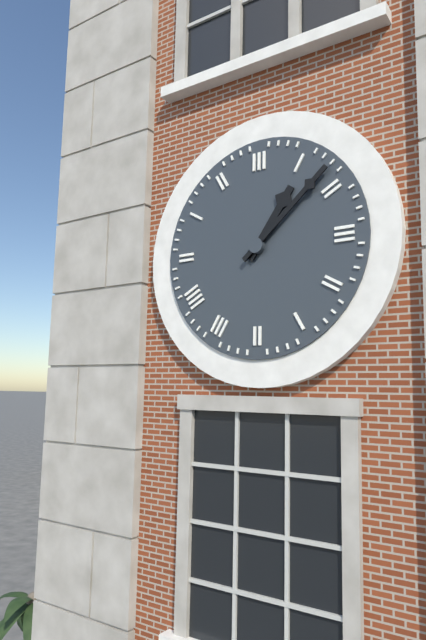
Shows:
1,08
